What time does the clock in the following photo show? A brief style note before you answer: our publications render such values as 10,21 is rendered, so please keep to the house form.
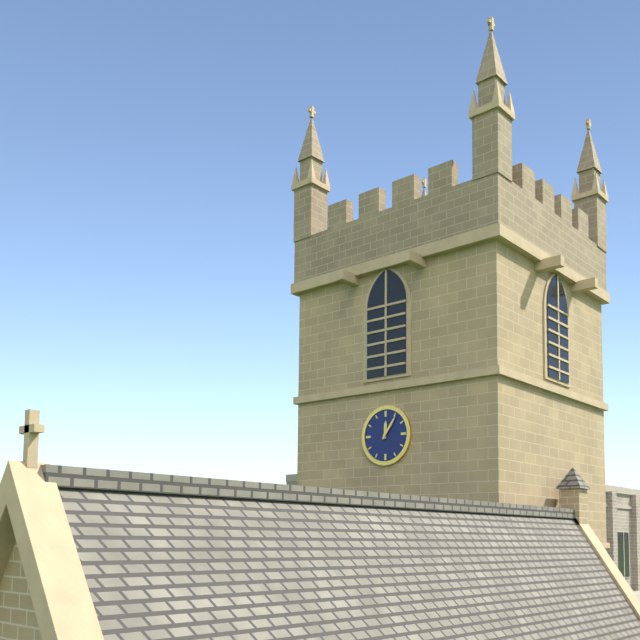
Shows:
12,06
